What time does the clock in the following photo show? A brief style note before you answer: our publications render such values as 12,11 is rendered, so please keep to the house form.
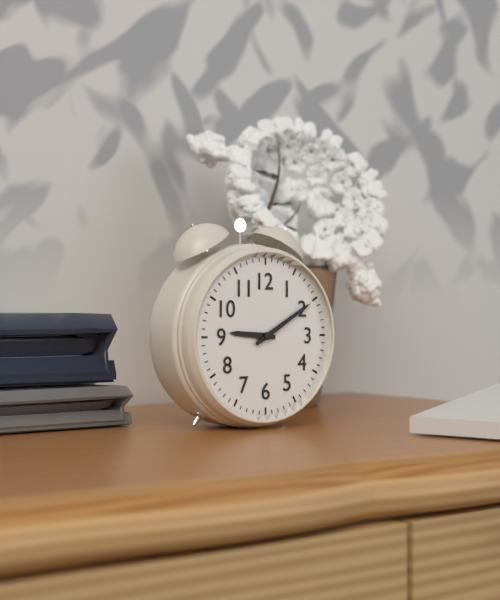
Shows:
9,10
